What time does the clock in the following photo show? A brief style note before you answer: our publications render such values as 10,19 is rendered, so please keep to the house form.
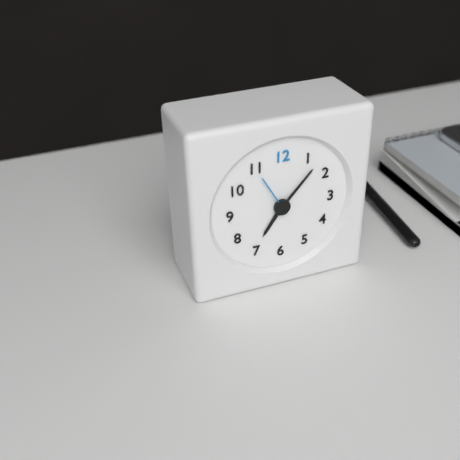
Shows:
7,07
